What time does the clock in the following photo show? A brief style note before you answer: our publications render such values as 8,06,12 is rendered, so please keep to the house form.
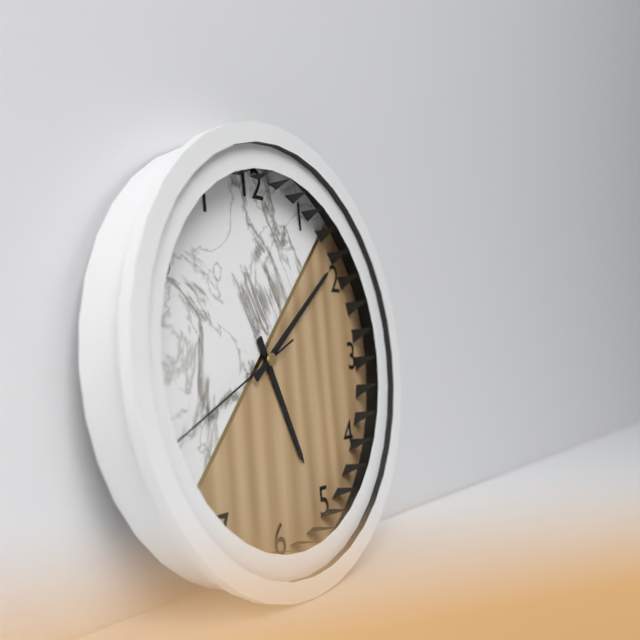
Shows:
5,09,41
